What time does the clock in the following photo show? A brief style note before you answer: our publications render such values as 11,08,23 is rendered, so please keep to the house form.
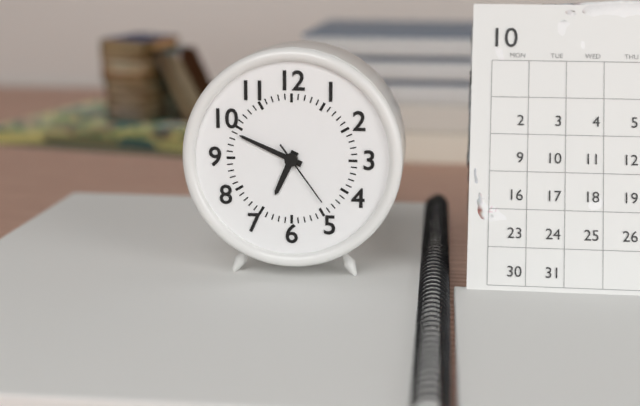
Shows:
6,49,24
